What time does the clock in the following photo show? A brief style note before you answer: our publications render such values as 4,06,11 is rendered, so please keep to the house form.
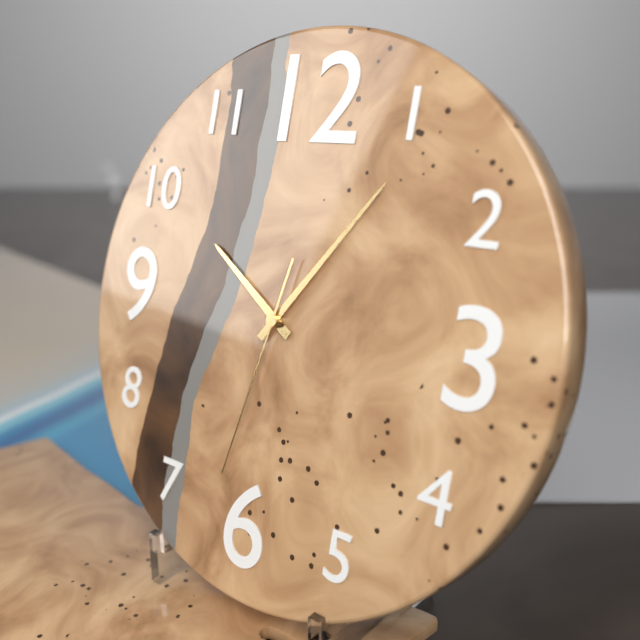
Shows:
10,06,32
